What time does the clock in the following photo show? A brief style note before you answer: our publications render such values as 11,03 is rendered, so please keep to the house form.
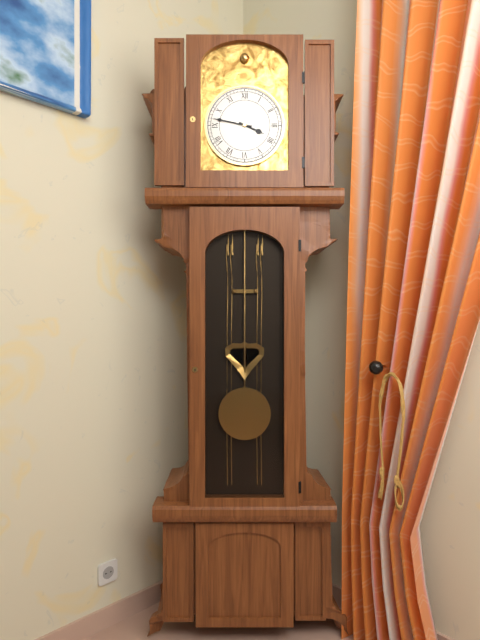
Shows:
3,47
